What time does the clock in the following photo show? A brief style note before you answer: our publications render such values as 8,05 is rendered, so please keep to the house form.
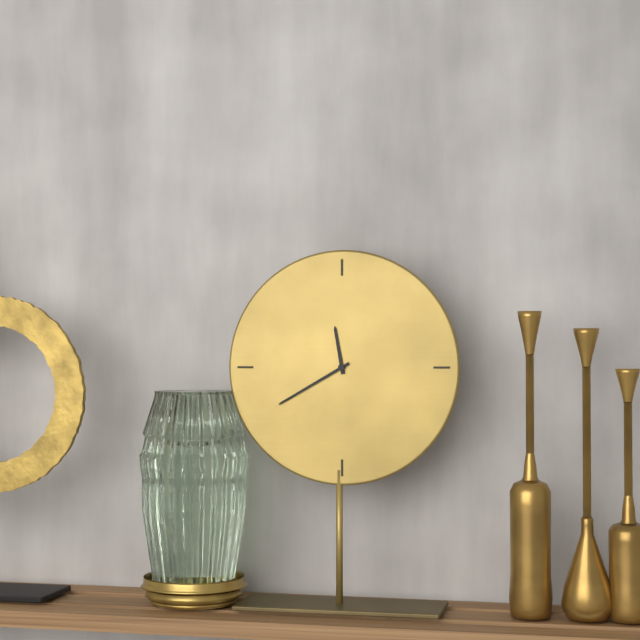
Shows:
11,40
